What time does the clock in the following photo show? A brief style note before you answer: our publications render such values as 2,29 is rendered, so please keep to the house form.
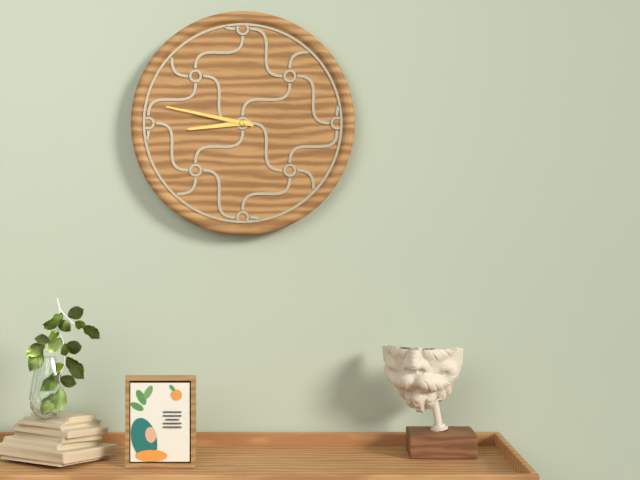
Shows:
8,47
